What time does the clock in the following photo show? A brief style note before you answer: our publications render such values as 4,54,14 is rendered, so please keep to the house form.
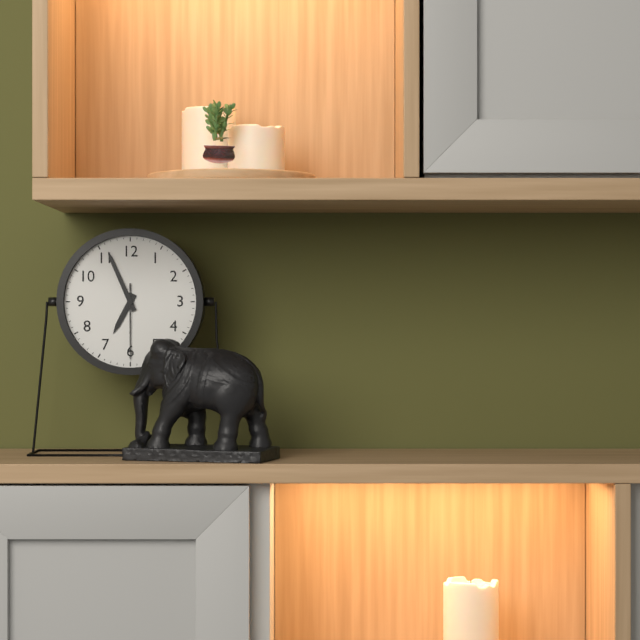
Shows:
6,56,30
